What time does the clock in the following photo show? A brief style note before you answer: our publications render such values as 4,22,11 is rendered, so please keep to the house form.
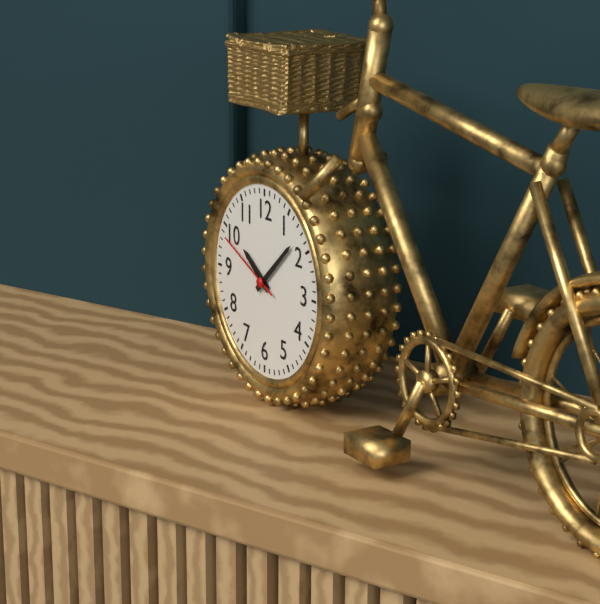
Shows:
10,08,49
